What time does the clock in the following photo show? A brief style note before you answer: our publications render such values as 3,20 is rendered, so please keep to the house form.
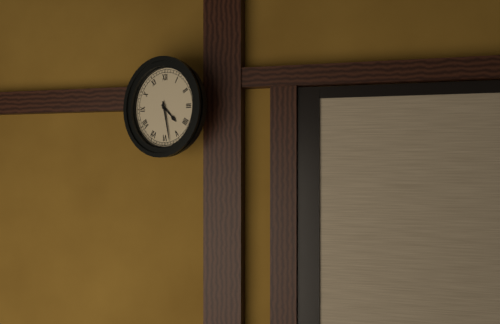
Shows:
4,28
